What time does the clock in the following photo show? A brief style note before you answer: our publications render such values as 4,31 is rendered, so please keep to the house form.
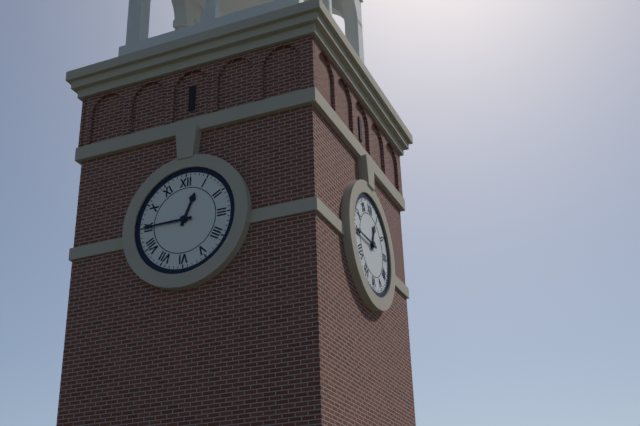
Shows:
12,45
